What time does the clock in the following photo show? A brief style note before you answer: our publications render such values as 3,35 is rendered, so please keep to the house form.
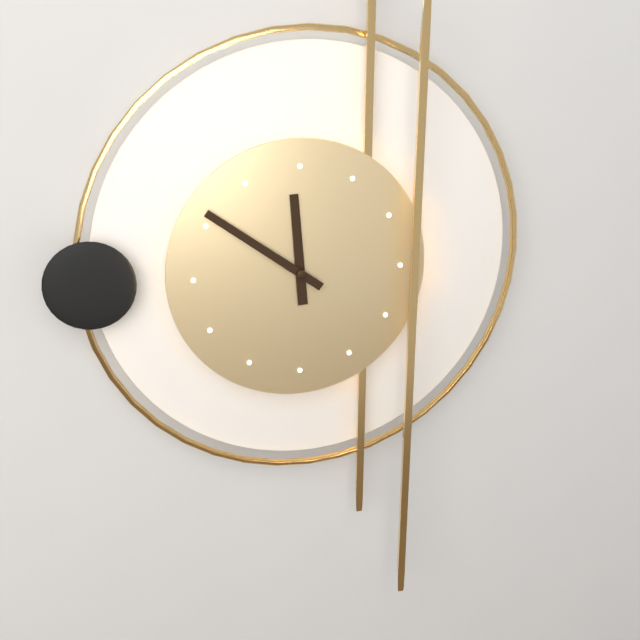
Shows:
11,51
